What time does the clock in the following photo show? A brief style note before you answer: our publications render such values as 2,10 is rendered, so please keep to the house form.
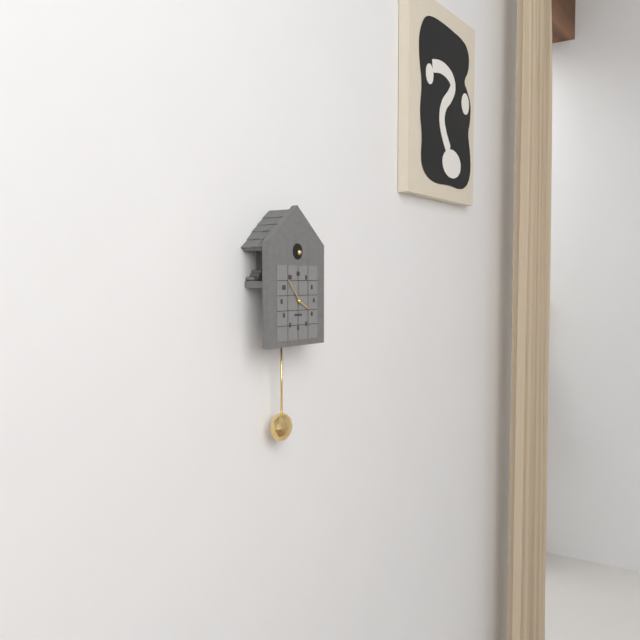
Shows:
3,53
